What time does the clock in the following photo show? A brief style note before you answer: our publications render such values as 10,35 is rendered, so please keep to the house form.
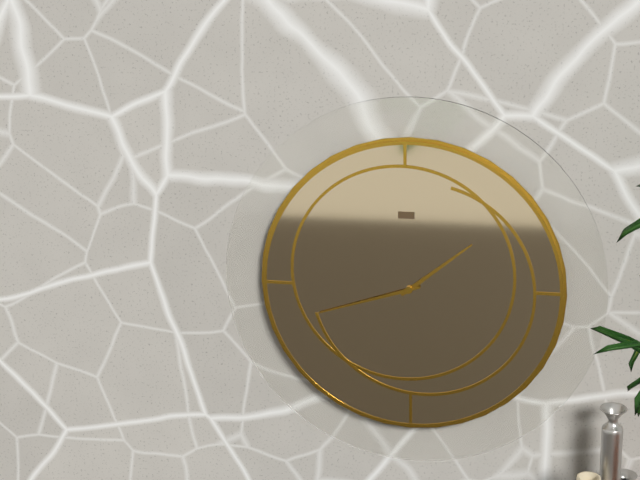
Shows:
1,42
